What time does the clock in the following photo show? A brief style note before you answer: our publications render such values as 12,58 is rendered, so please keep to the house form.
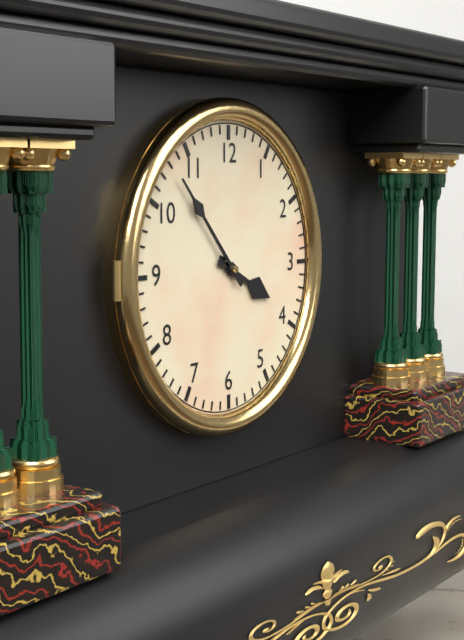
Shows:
3,53
